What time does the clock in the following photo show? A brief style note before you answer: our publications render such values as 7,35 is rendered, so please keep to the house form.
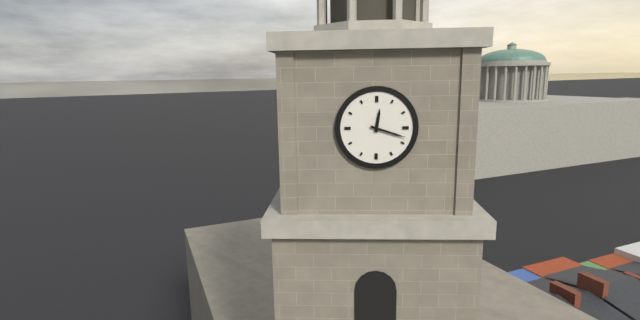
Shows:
12,18
